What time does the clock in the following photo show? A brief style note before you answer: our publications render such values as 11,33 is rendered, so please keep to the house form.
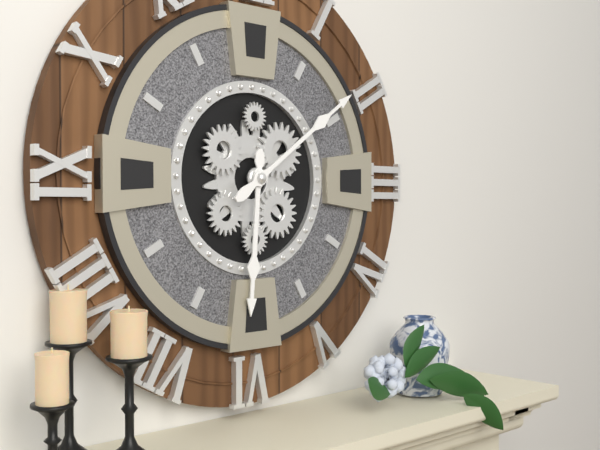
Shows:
6,09
